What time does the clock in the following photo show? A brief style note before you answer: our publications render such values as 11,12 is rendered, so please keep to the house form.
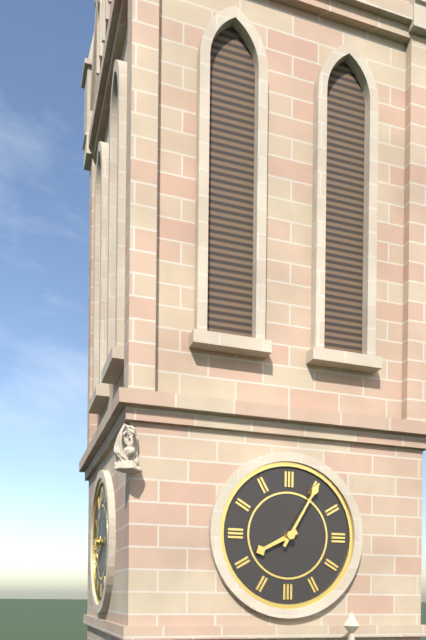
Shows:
8,05
